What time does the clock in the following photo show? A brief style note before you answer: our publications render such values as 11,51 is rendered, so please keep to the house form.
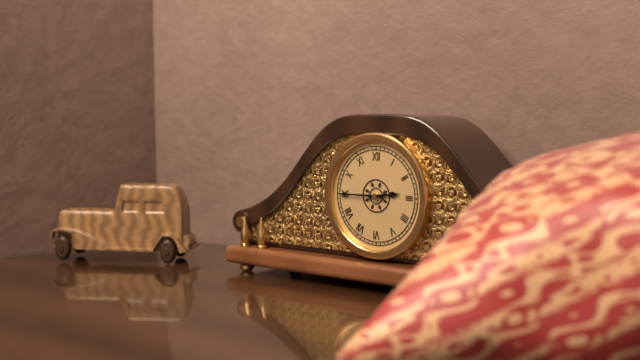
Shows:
2,45
